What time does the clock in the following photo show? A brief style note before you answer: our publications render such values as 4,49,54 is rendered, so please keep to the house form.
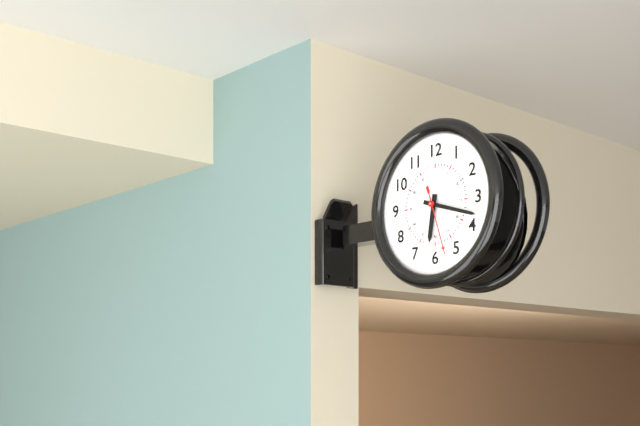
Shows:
6,18,27
